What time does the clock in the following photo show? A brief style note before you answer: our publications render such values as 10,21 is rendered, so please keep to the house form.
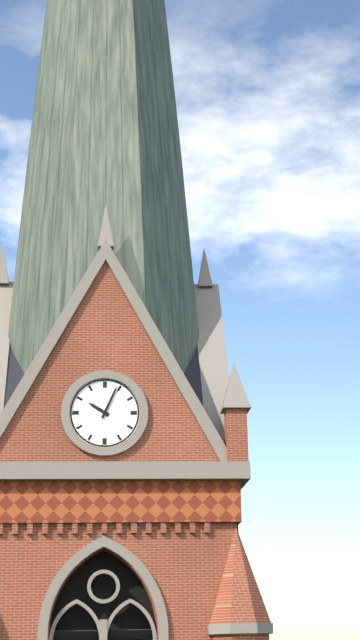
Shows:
10,04
